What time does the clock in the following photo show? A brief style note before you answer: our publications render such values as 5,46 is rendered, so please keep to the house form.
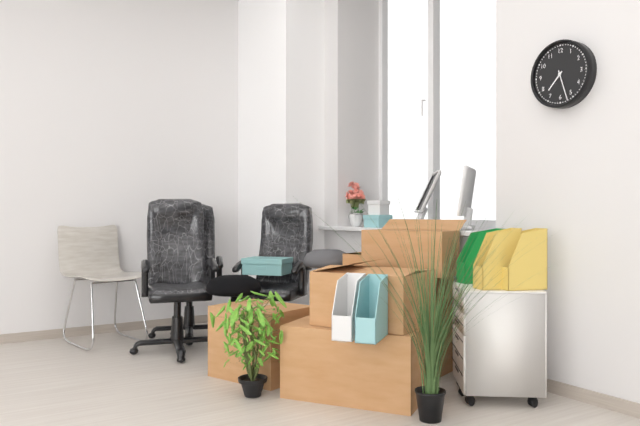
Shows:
7,27
